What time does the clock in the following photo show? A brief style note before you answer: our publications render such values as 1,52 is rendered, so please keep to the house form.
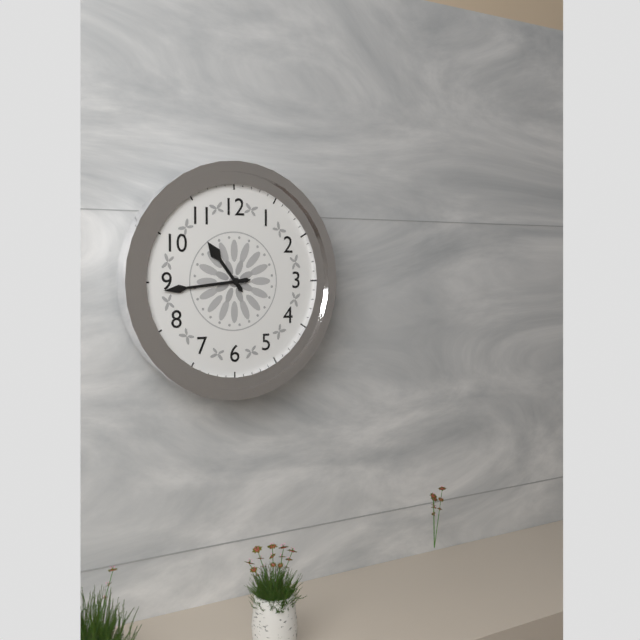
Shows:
10,44
